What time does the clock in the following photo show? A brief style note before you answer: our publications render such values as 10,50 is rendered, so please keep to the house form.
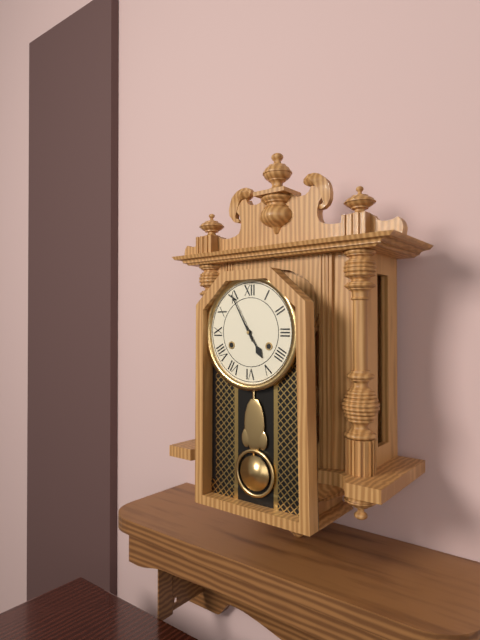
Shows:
4,55
